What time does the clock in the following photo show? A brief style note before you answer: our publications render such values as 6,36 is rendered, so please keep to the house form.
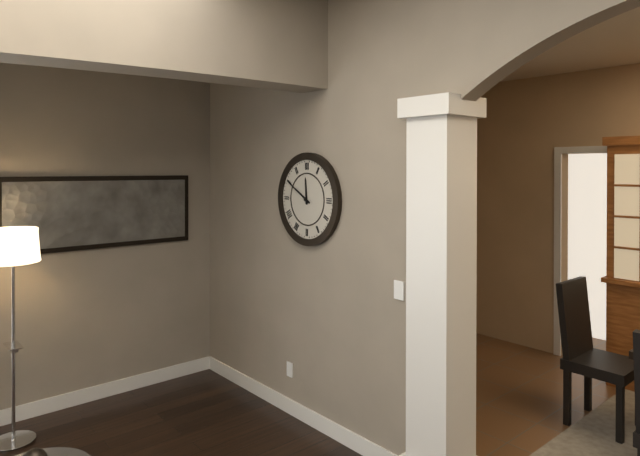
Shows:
11,50
